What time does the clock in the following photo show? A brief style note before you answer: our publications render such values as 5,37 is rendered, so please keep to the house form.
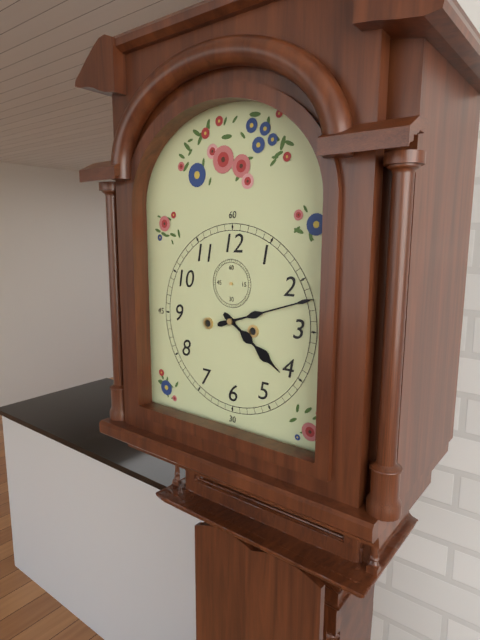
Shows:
4,12
